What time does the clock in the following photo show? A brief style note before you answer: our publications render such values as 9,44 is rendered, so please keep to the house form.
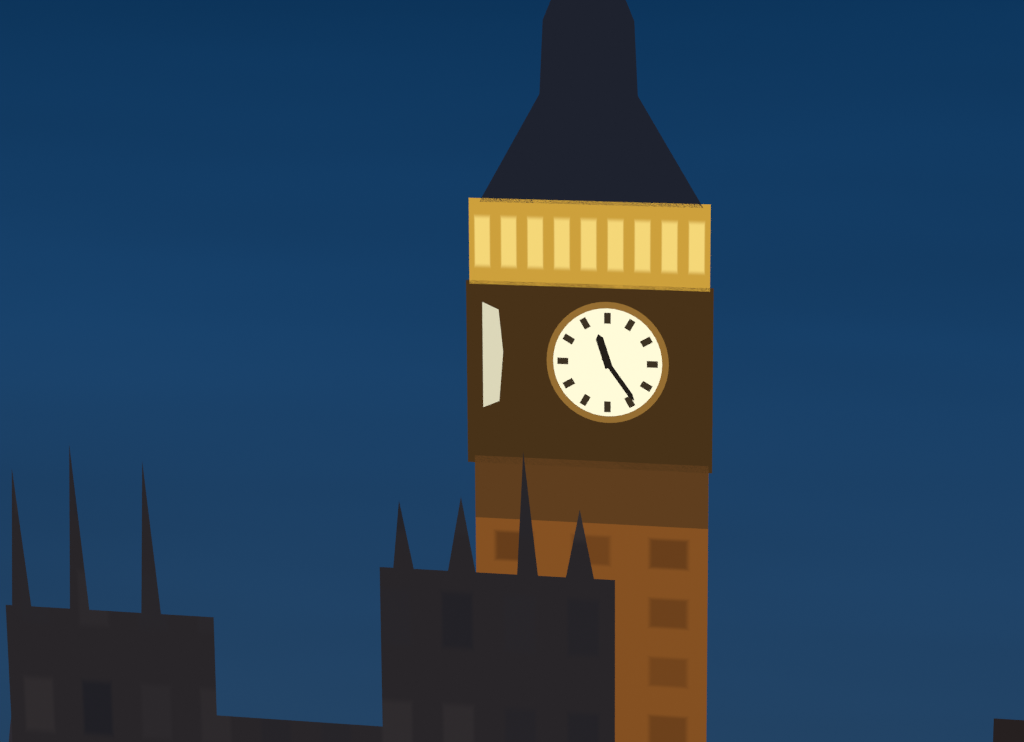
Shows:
11,24
